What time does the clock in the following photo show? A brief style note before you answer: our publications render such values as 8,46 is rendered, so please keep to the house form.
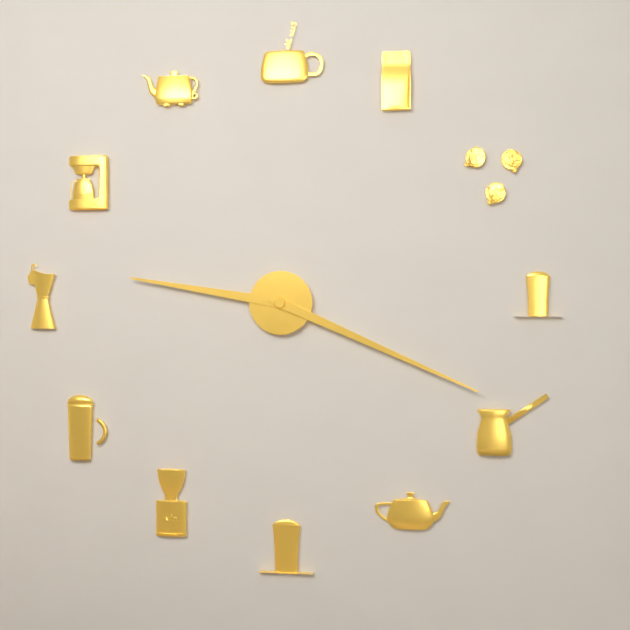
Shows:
9,19
